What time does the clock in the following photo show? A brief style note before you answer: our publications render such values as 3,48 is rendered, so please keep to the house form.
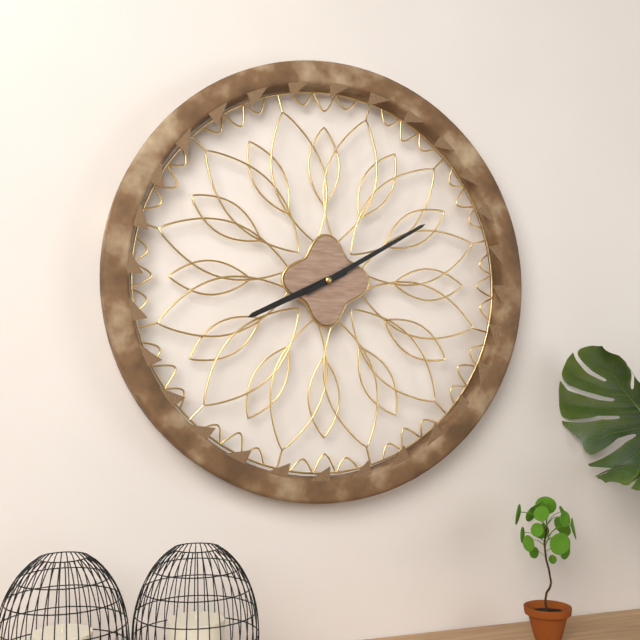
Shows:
8,10
